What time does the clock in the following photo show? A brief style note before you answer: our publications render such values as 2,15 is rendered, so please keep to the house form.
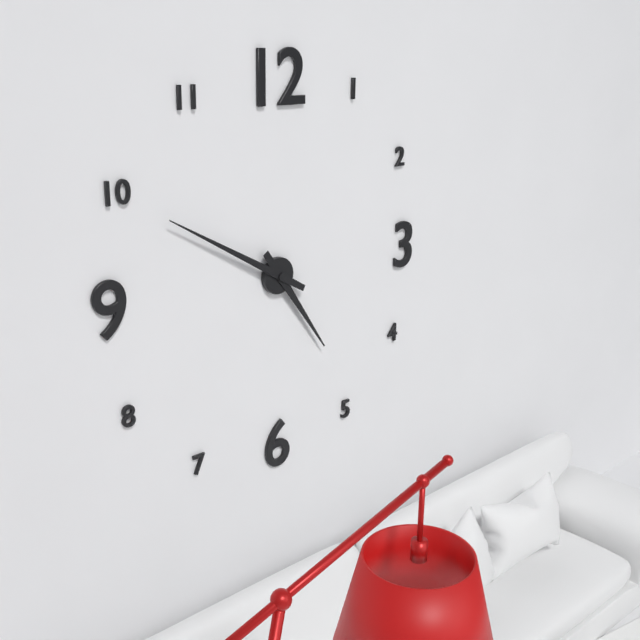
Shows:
4,50
